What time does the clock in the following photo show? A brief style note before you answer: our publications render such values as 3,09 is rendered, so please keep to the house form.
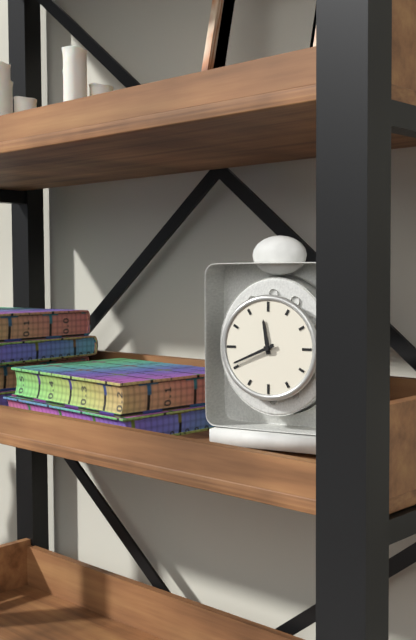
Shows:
11,41
